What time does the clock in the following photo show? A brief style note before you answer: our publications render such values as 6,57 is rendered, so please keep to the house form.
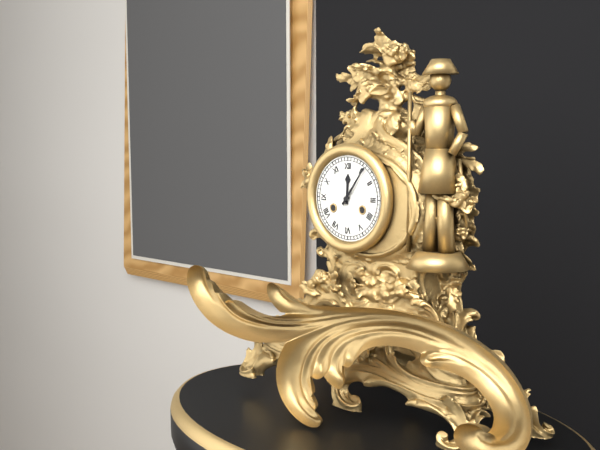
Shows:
12,06
